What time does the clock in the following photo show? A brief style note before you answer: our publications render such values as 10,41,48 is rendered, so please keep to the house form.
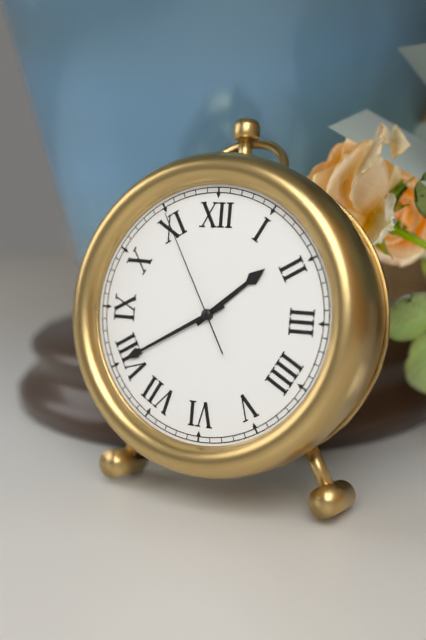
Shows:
1,40,55
